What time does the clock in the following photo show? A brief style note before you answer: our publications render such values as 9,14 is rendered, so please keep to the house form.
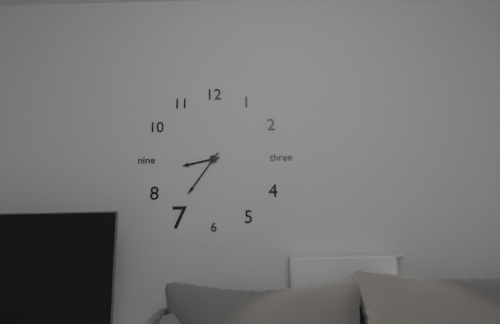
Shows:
8,36
